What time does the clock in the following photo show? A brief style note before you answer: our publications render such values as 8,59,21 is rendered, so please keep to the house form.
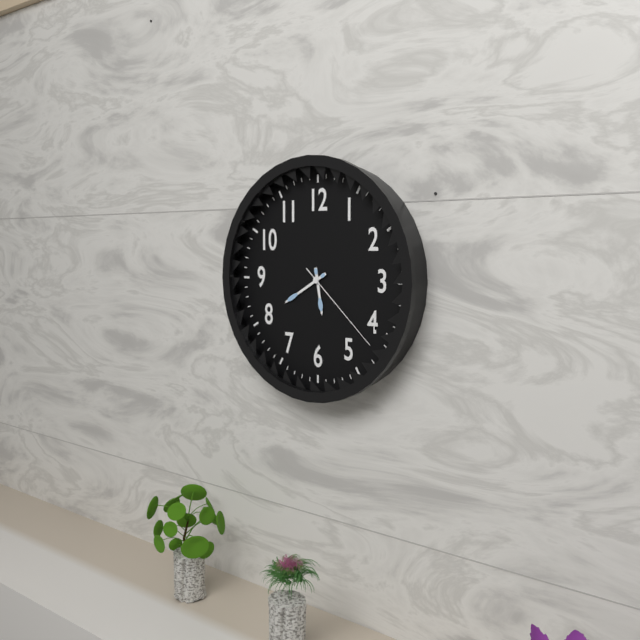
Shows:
5,40,22
